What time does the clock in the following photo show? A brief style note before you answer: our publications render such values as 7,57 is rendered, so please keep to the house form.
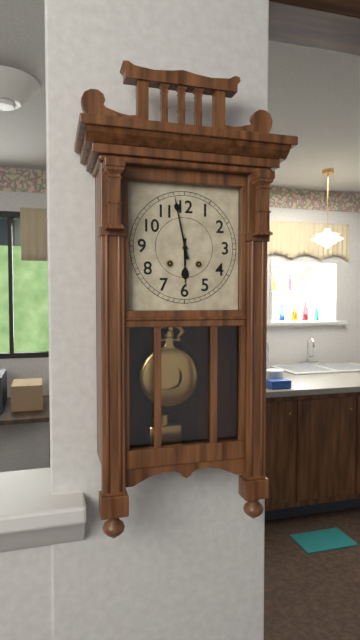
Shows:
5,58
